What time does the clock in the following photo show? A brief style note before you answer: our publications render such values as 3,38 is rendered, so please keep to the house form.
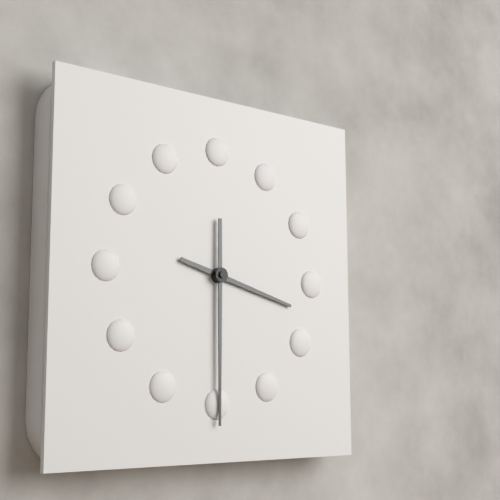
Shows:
3,30
